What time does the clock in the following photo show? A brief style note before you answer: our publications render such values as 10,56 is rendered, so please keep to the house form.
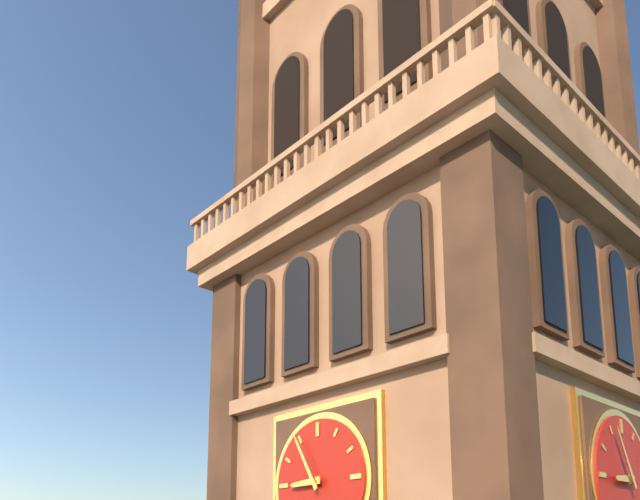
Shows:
8,55
